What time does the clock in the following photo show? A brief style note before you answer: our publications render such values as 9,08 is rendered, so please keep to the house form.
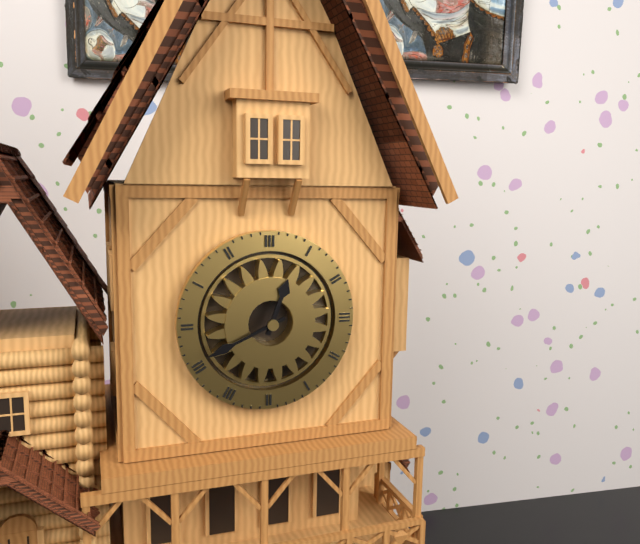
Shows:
12,41
